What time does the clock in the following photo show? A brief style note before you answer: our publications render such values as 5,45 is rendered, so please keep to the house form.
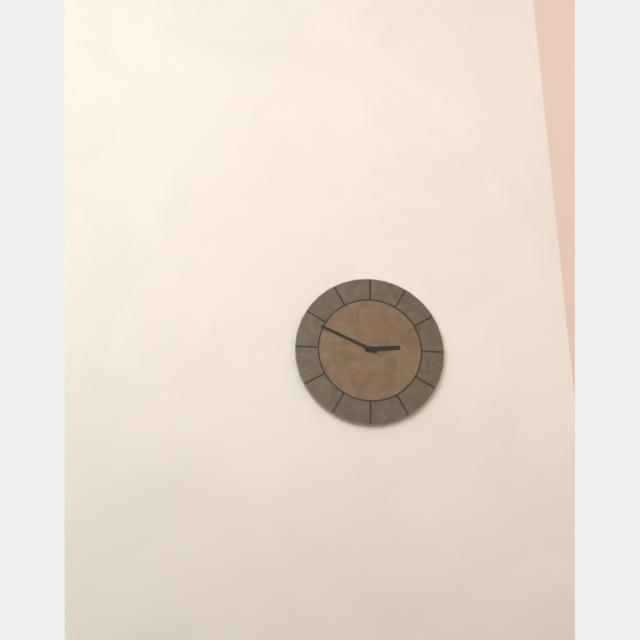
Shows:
2,49
